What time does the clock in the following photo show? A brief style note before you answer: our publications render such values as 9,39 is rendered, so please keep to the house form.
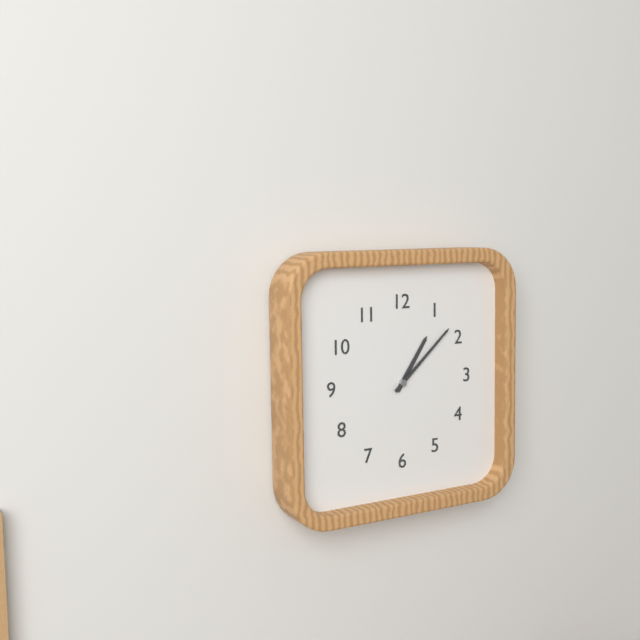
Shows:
1,08
